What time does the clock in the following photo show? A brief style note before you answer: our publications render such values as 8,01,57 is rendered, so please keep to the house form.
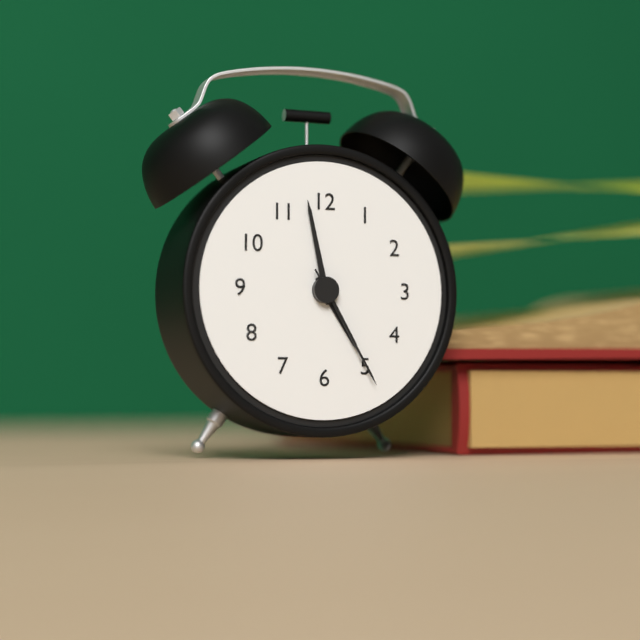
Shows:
4,58,25
